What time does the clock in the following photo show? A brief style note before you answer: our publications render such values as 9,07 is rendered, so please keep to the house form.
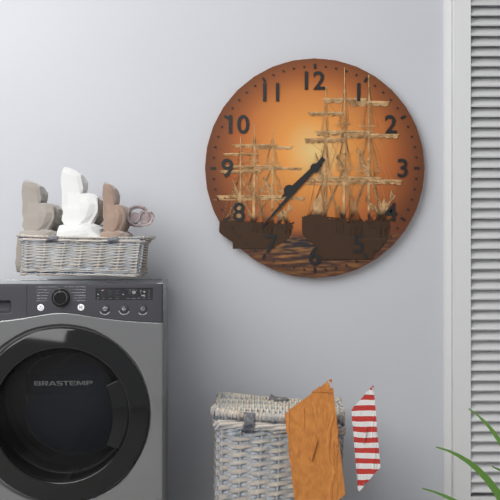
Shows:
7,37
